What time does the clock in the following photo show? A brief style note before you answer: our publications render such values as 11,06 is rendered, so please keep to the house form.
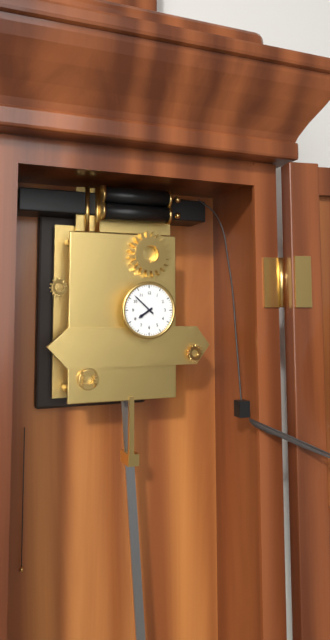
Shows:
7,52
